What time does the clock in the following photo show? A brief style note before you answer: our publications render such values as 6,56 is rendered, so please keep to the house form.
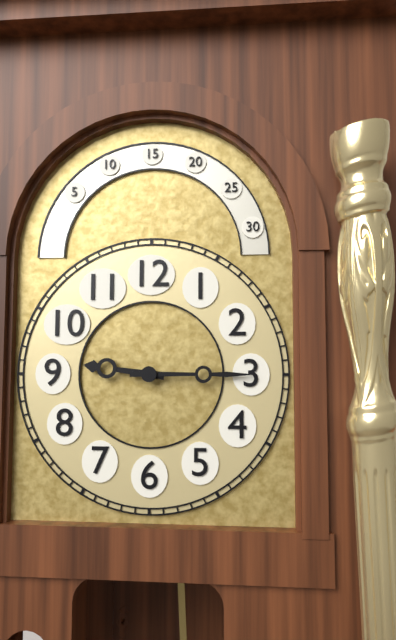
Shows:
9,15
